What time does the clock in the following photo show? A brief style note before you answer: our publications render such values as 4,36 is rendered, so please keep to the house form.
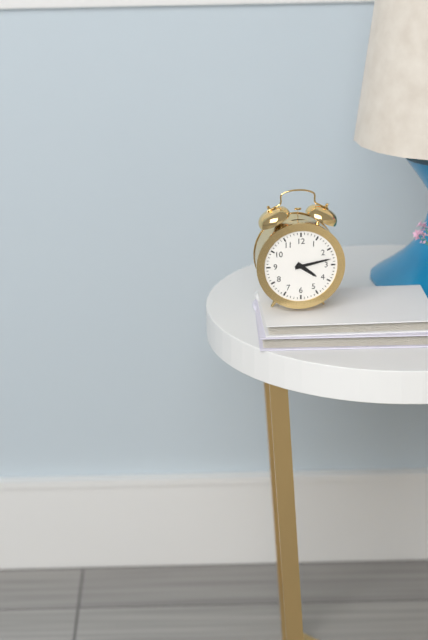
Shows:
4,13
